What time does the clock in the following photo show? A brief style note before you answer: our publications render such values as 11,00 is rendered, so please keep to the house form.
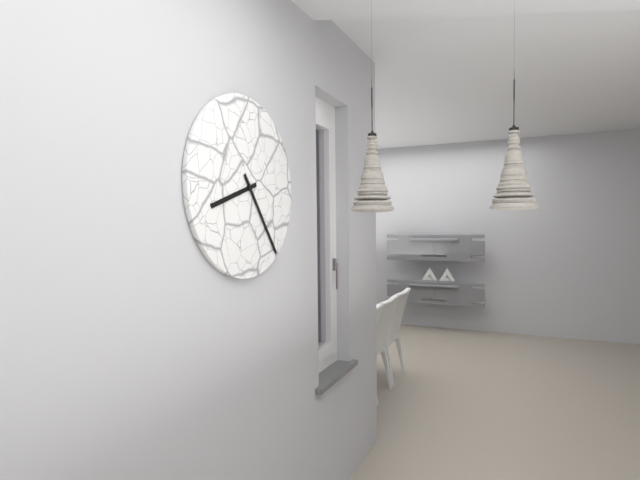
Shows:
8,24
